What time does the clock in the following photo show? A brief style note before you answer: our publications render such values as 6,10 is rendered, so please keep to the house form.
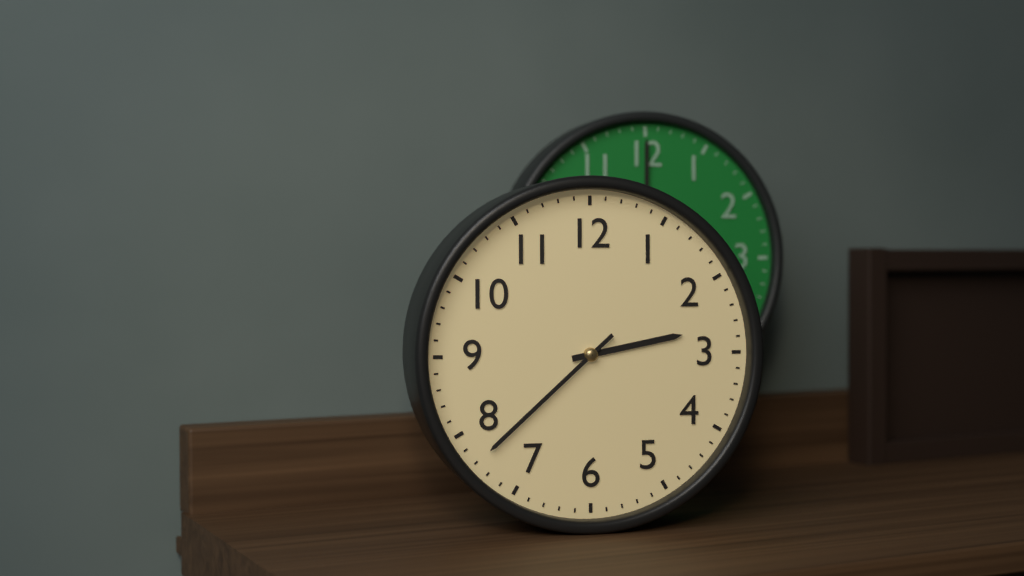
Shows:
2,38
